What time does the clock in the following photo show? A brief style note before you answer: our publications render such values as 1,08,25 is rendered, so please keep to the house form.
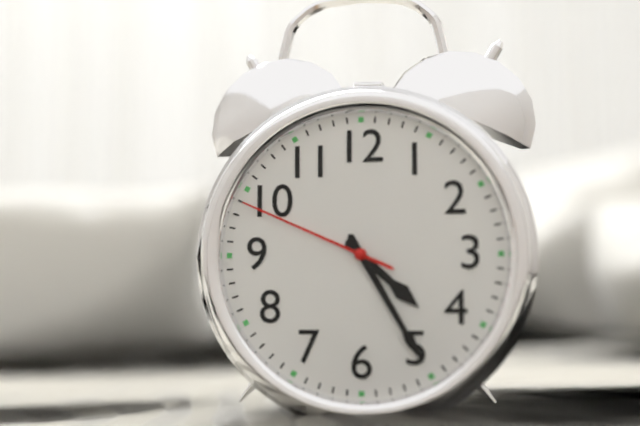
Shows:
4,25,49
